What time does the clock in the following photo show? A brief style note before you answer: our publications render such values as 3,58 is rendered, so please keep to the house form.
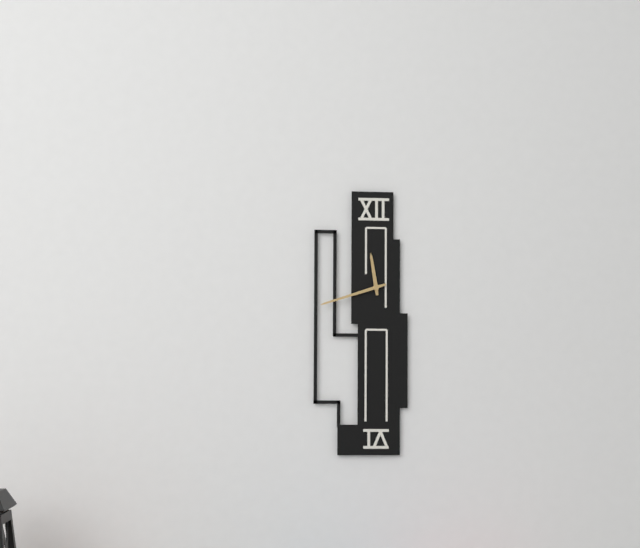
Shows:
11,42
